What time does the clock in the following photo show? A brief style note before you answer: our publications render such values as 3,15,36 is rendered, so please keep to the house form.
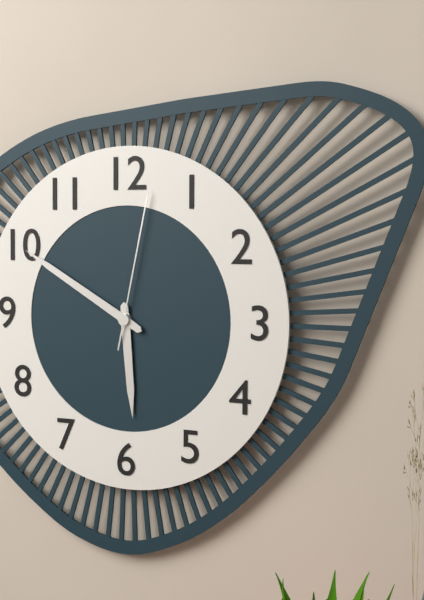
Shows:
5,50,02
